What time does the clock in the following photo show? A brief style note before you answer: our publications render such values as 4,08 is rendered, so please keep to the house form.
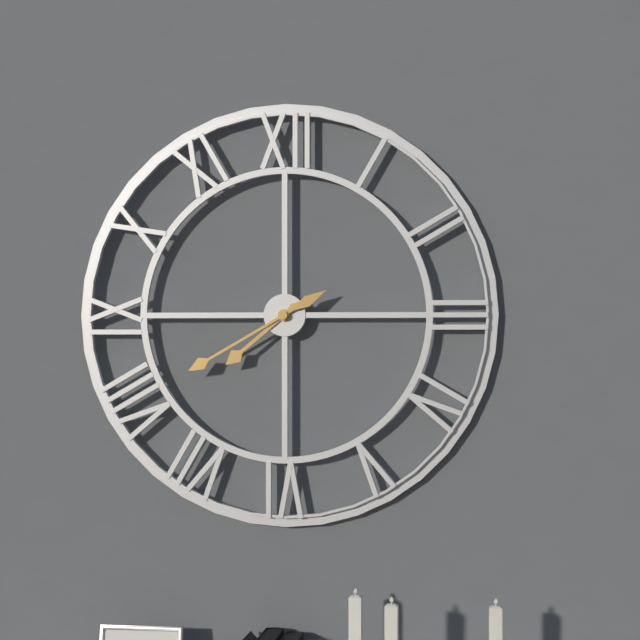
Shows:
7,40
